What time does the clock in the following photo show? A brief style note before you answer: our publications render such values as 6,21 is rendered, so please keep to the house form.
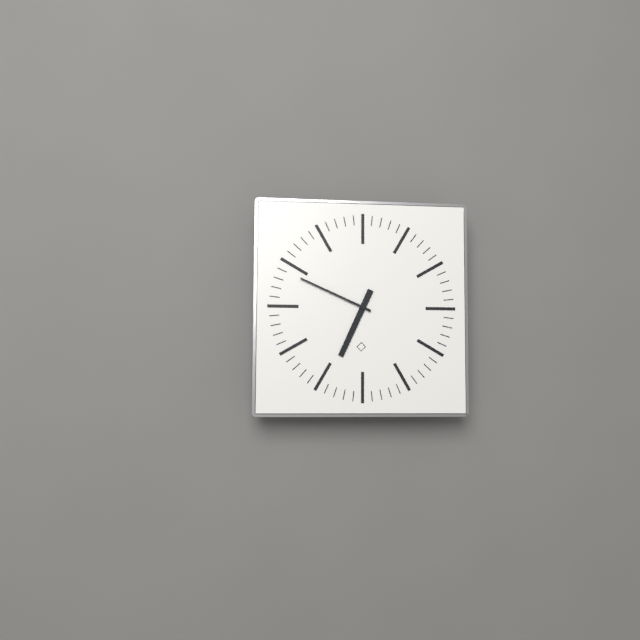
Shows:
6,49
